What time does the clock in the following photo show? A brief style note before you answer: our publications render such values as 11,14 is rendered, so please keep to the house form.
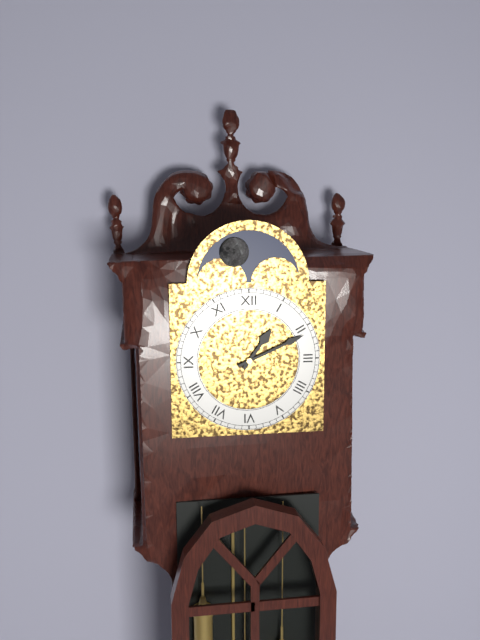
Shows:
1,11
